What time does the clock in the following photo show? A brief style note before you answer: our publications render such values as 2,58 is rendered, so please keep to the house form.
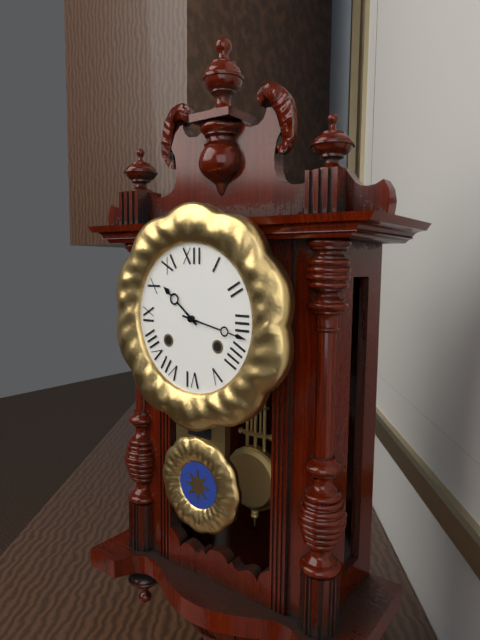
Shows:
10,17
